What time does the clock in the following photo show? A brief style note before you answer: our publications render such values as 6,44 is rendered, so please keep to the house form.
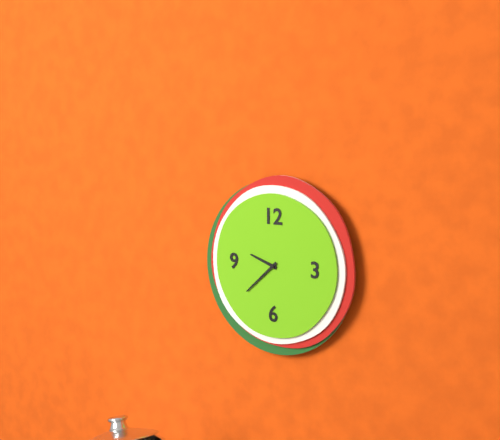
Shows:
9,38
